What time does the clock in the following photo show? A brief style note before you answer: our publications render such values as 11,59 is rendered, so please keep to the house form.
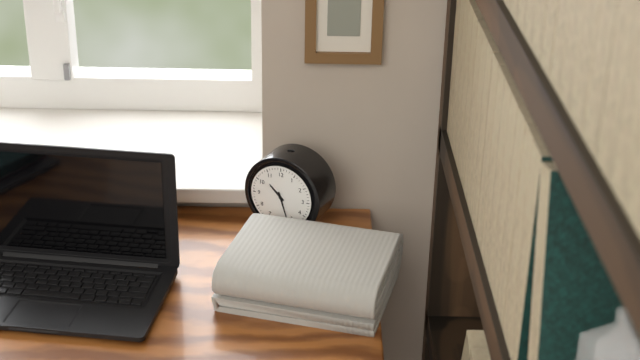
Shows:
10,27
